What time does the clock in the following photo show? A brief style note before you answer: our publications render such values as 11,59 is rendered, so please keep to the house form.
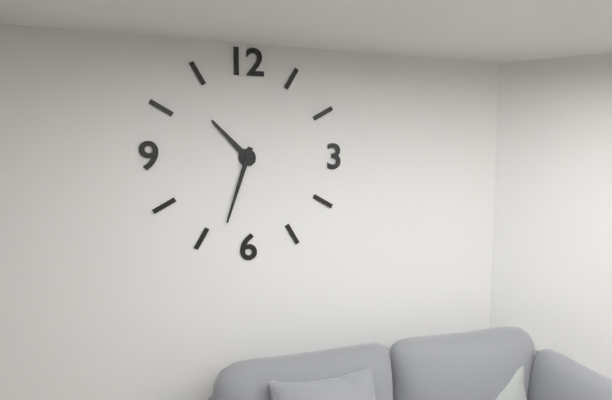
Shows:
10,33
